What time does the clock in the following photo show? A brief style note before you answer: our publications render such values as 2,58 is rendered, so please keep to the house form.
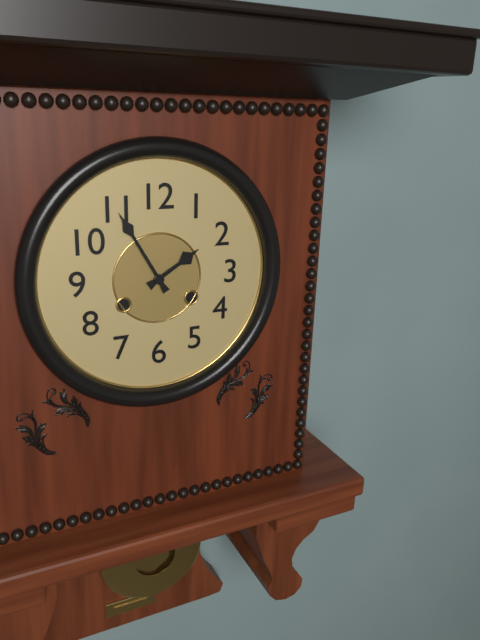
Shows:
1,55
